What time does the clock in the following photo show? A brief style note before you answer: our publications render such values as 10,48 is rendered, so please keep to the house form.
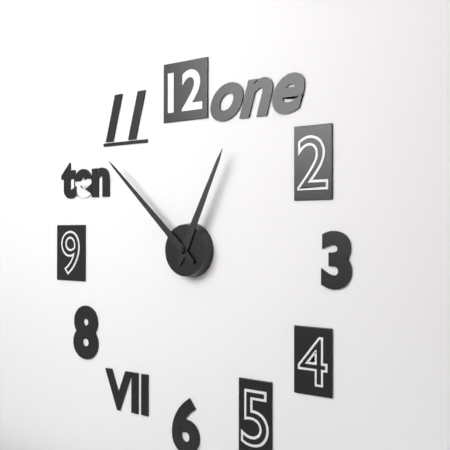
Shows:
12,52
